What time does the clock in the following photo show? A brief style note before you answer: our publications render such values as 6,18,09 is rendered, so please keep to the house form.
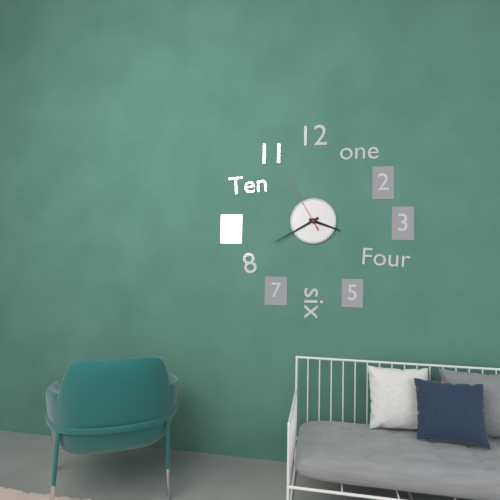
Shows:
3,40,55
